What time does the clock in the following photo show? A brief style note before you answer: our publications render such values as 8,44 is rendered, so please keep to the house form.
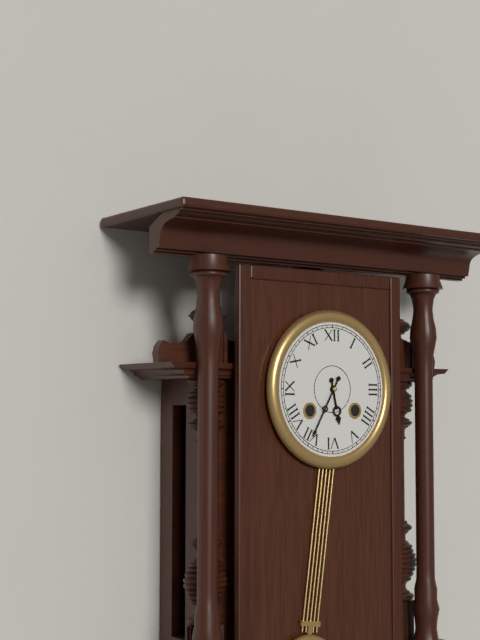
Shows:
5,35
